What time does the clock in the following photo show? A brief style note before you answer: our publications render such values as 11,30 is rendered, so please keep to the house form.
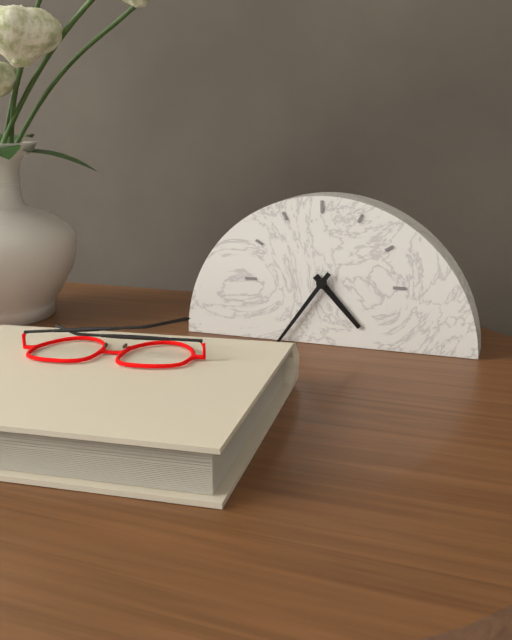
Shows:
4,36
